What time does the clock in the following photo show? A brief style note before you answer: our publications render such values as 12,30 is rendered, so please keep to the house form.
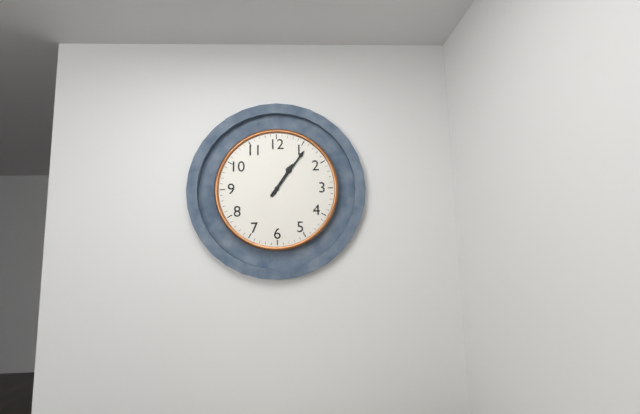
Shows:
1,06
